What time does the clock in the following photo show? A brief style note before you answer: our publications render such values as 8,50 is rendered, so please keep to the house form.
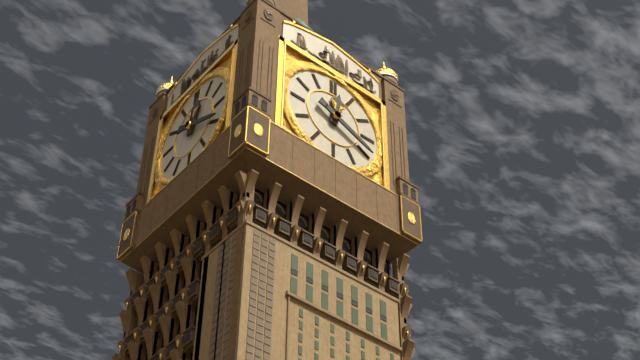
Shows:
12,19
